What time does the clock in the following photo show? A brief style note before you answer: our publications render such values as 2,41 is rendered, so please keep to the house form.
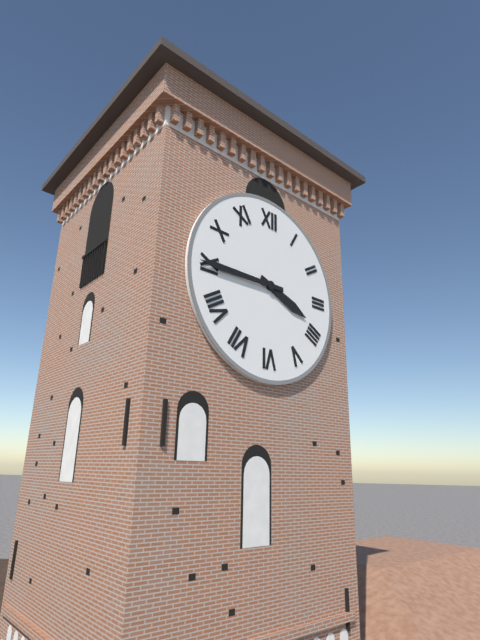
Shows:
3,45
